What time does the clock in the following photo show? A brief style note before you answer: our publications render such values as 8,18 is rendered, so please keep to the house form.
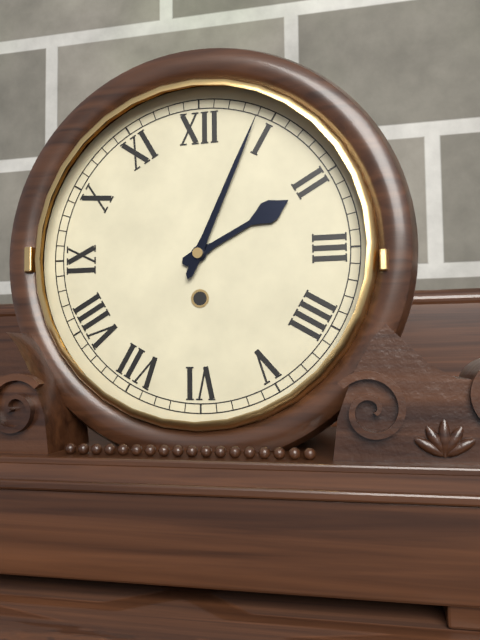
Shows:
2,04
